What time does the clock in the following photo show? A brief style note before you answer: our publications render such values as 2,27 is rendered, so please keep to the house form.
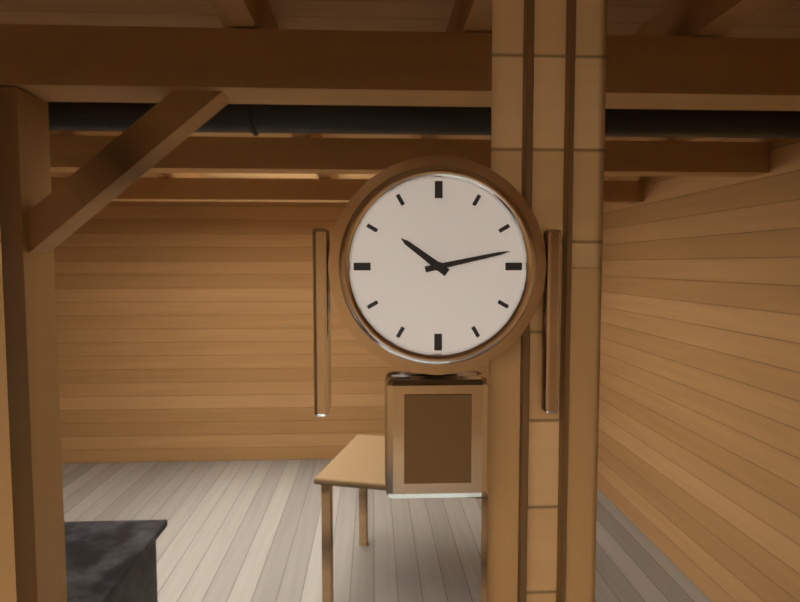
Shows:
10,13
